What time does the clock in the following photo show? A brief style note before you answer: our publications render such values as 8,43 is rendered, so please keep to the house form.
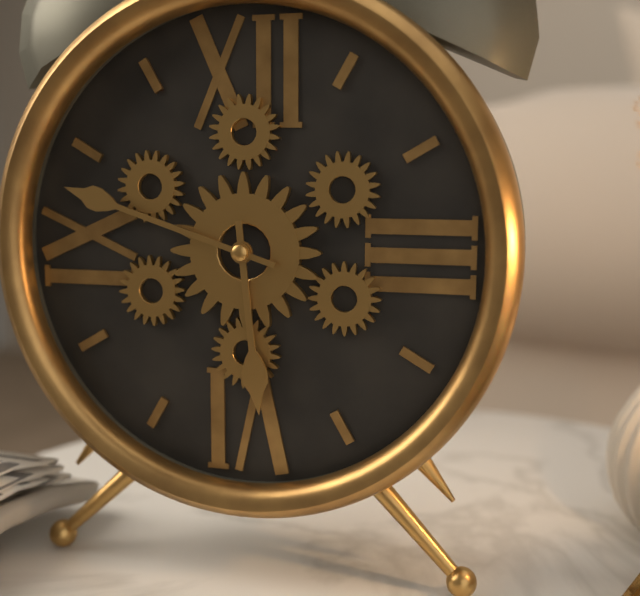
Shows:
5,48
